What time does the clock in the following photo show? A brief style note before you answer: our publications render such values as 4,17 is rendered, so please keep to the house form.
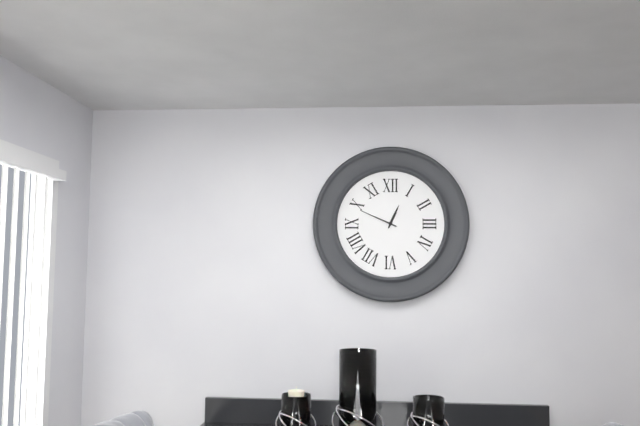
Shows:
12,49
